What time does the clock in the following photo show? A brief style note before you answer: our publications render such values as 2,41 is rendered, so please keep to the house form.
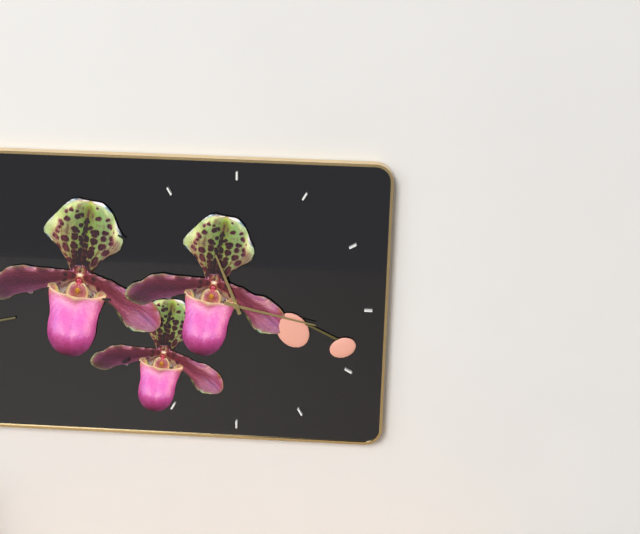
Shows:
11,17
